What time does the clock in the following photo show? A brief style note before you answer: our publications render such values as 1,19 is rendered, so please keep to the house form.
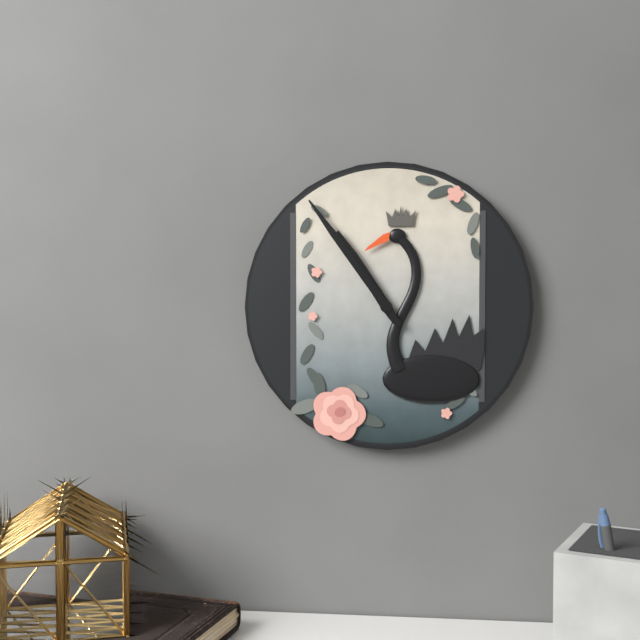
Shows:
10,54
